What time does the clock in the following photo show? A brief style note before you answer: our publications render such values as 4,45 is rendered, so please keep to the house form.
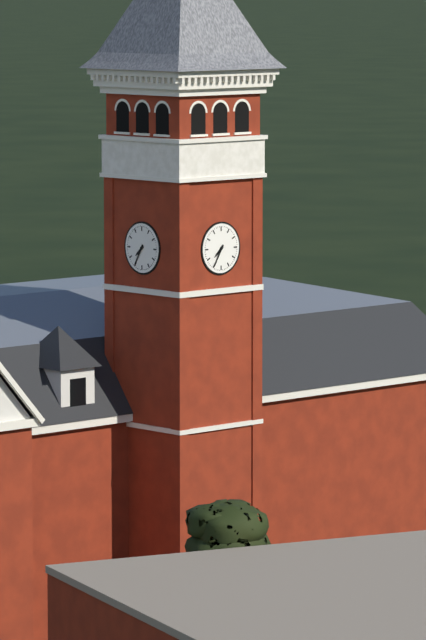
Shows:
7,35
